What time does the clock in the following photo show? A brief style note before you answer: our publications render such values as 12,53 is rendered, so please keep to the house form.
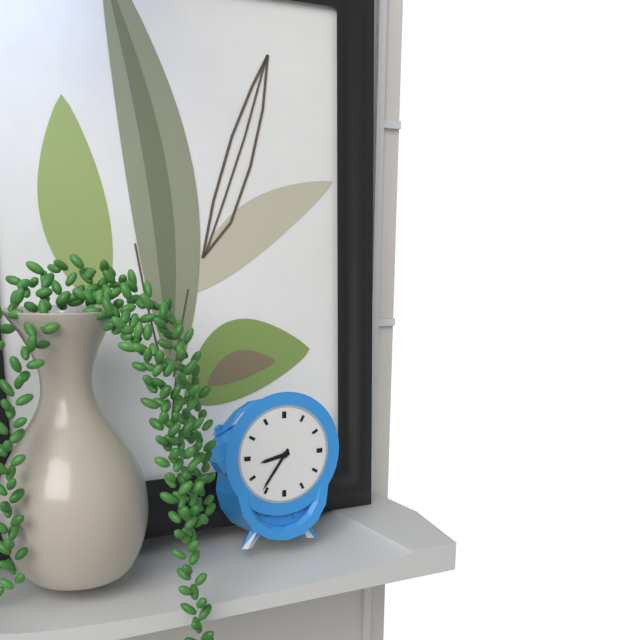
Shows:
8,36
